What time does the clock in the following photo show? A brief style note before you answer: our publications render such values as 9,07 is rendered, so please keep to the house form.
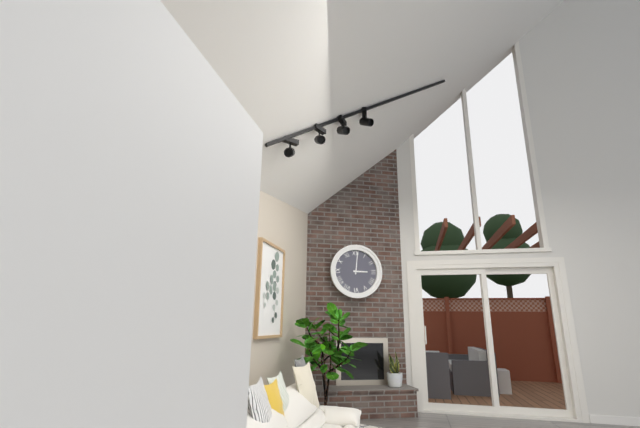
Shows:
3,01
